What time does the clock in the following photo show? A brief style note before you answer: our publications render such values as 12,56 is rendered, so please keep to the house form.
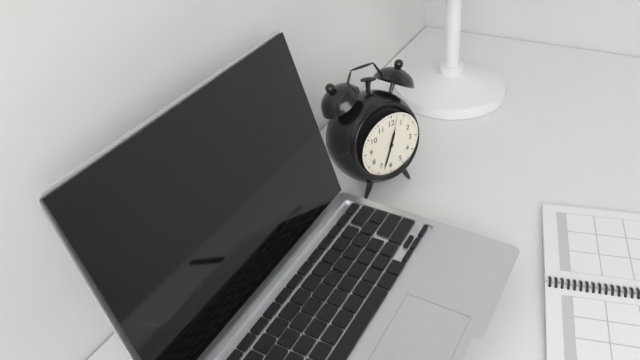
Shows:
12,33
